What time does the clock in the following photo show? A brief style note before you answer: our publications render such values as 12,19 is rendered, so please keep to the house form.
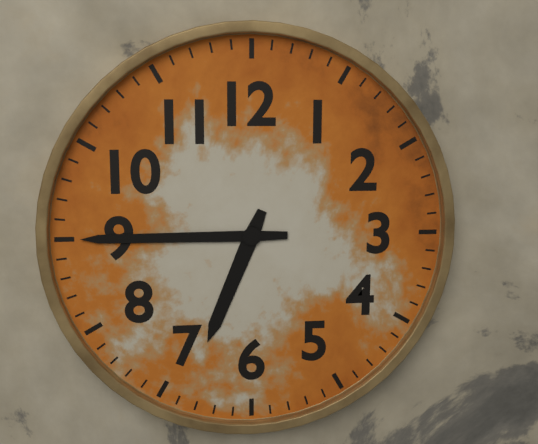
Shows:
6,45
